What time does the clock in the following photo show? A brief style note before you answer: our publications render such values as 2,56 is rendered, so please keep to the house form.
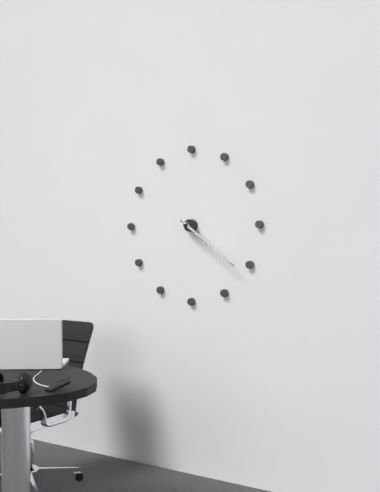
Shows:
4,21
